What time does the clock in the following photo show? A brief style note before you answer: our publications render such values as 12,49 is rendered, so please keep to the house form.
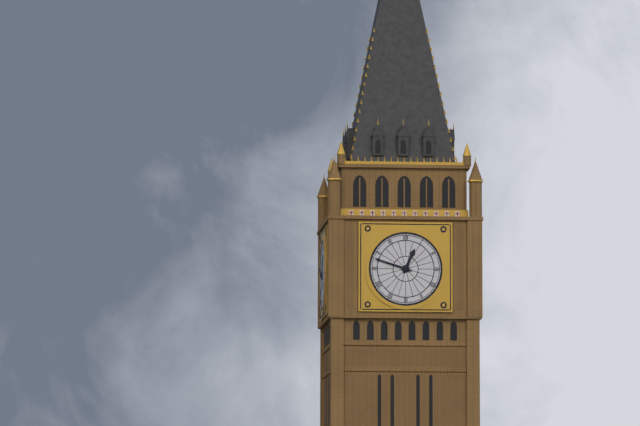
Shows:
12,48
